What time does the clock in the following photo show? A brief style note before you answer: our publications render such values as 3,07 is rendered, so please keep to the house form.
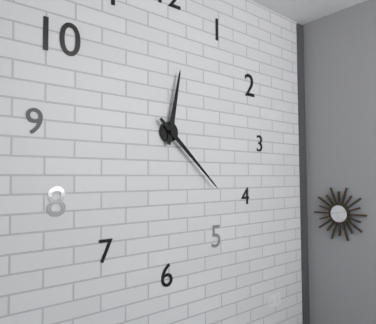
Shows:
12,22
